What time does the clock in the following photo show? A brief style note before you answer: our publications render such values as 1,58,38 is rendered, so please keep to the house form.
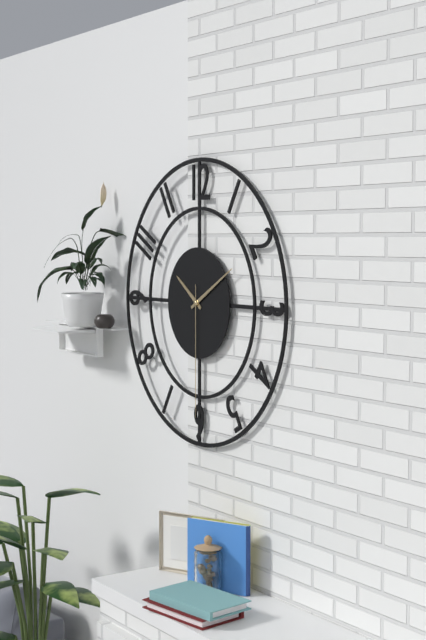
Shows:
10,10,30
